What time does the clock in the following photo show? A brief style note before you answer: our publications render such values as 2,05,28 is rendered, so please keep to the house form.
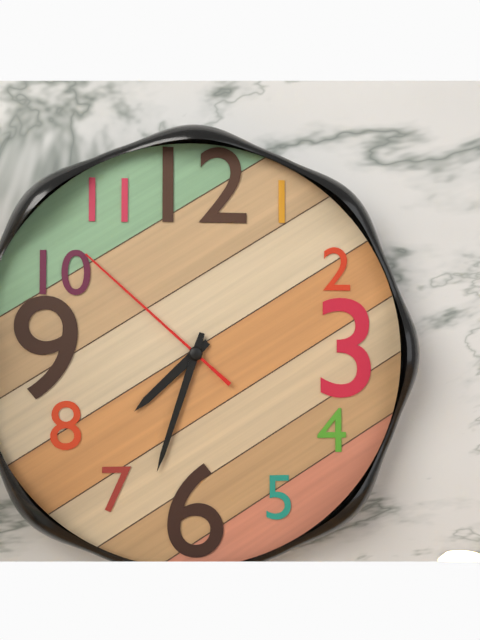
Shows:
7,33,52
